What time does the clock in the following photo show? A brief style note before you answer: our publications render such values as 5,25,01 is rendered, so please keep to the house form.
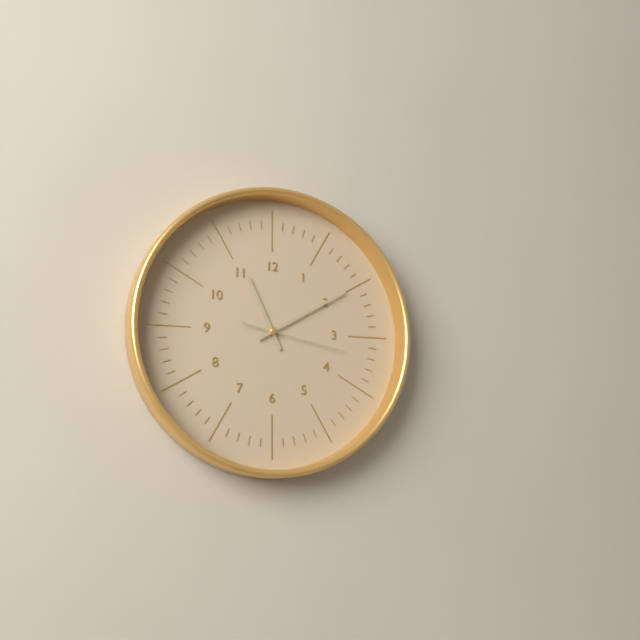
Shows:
11,10,17
